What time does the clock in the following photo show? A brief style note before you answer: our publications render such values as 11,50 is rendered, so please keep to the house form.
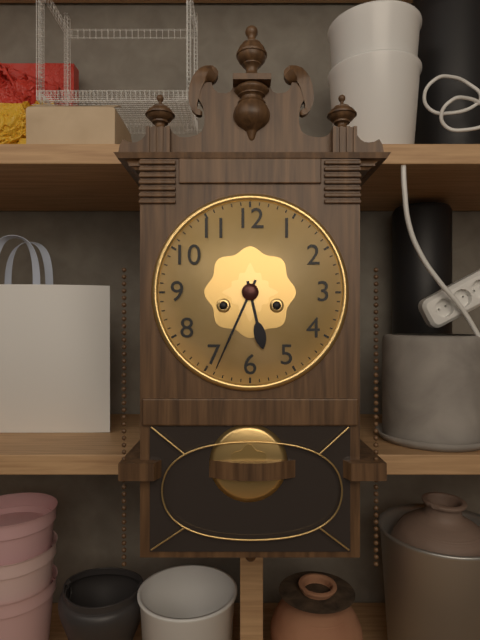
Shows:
5,34
